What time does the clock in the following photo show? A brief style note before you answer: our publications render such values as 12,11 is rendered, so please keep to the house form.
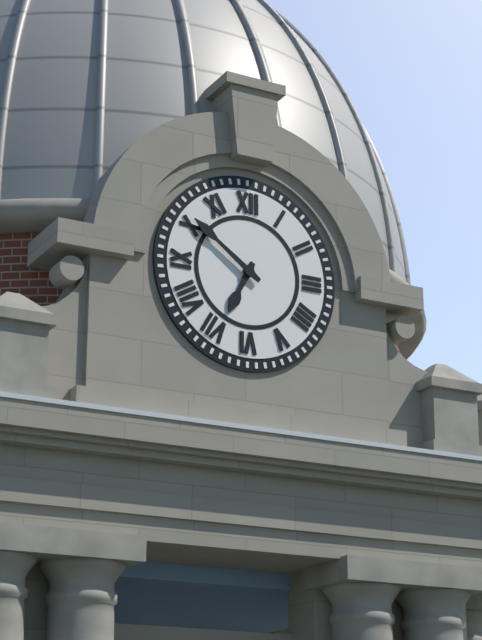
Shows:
6,51
